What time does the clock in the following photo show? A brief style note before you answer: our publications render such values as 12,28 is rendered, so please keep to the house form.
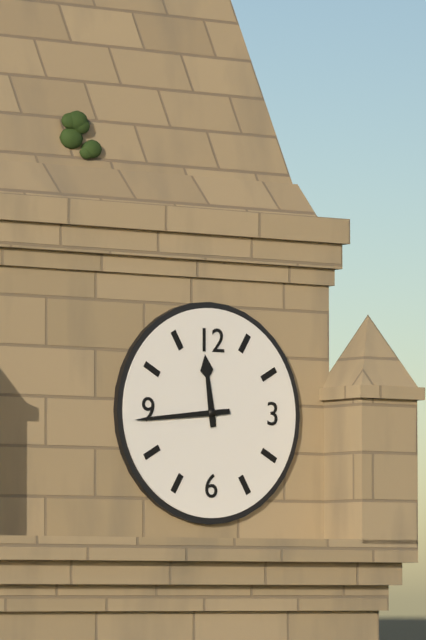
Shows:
11,44
